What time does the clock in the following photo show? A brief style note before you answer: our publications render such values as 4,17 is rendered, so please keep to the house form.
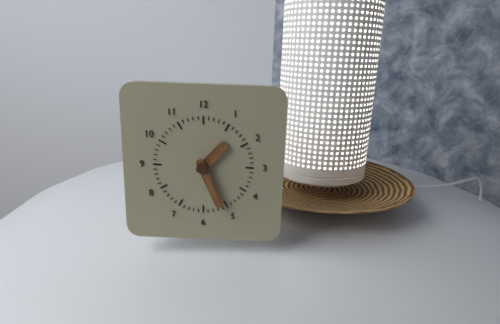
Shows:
1,26
